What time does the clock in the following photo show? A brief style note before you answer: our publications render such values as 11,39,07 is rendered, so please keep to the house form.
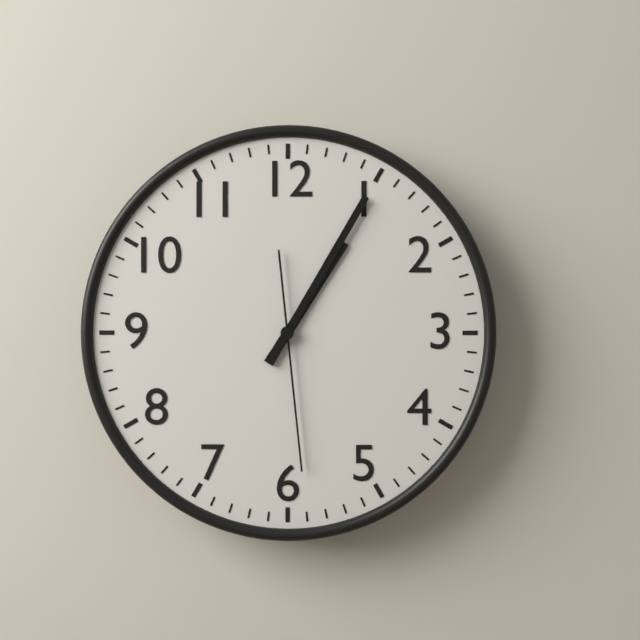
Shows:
1,05,29
